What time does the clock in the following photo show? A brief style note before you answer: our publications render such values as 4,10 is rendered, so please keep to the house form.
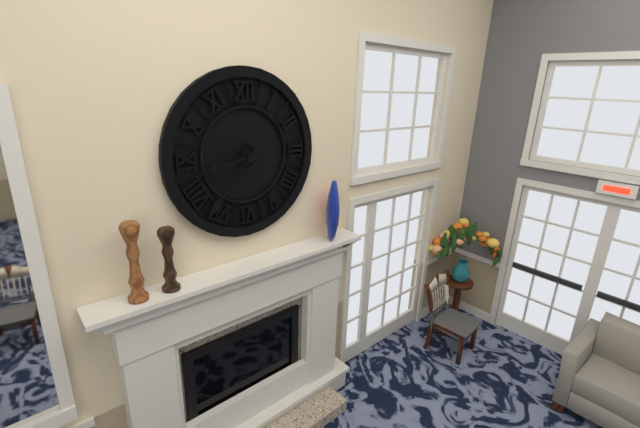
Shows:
8,37
